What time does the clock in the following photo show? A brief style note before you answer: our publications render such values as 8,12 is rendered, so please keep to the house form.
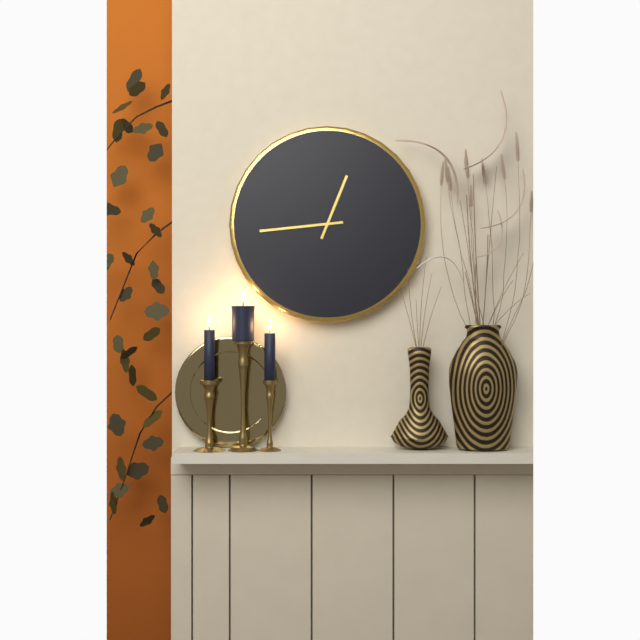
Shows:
12,44
